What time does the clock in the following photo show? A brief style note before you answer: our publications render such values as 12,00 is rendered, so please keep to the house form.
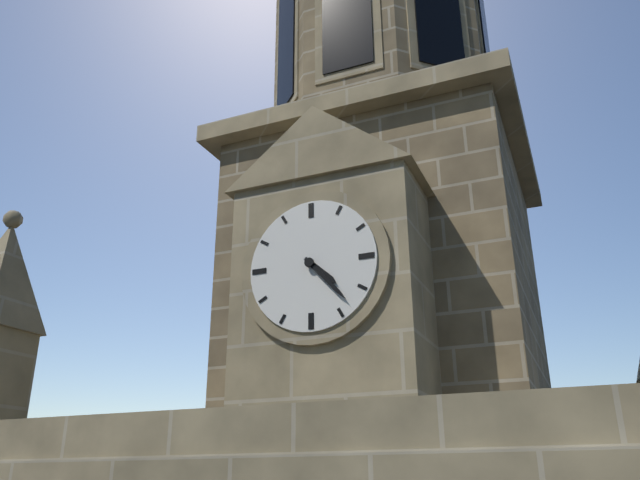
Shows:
4,23
